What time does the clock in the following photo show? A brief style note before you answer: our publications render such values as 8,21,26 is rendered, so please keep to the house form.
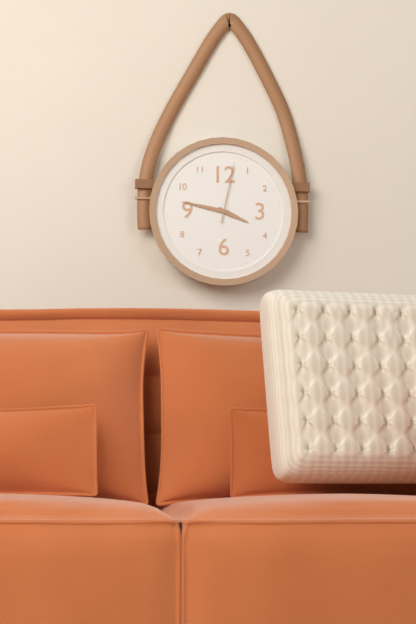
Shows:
3,47,02
